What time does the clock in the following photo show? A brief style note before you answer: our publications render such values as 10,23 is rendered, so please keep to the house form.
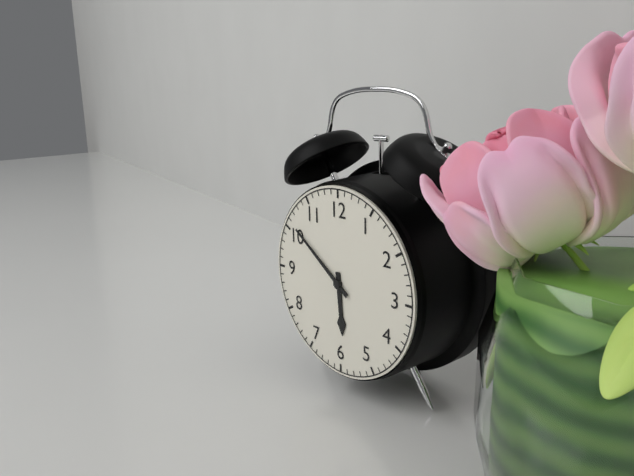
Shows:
5,51
